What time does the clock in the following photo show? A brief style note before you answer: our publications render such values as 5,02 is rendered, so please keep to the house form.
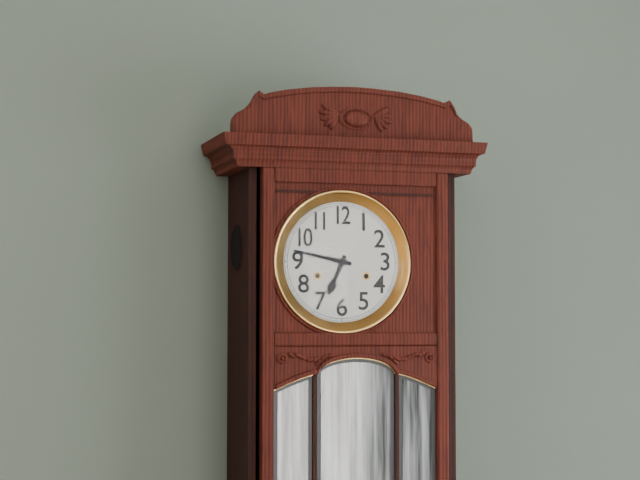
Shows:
6,47
